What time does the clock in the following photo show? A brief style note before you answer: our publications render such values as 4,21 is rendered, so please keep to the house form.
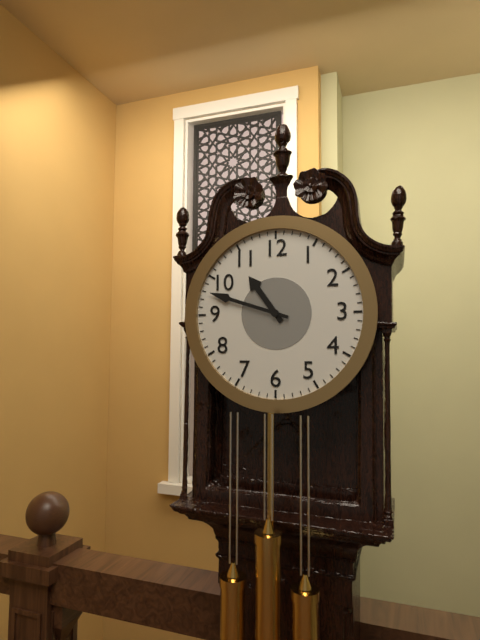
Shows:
10,48
